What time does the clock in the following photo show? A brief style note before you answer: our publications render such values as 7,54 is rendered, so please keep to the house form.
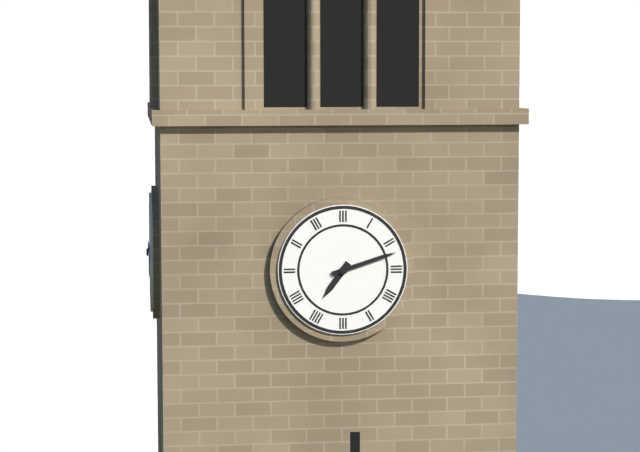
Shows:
7,12
